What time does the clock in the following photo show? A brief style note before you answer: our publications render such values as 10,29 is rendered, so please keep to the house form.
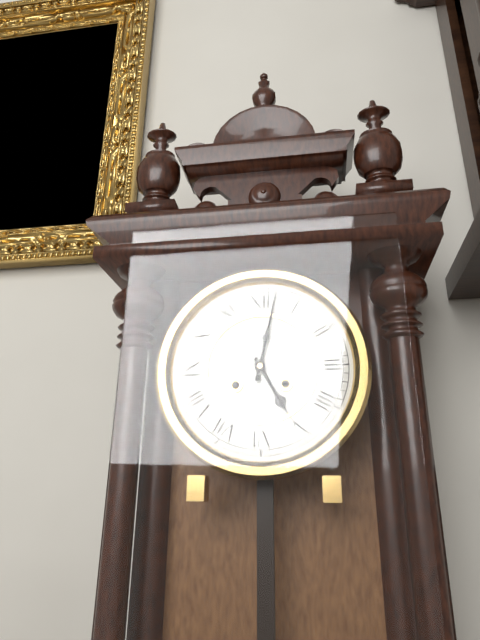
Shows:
5,02
